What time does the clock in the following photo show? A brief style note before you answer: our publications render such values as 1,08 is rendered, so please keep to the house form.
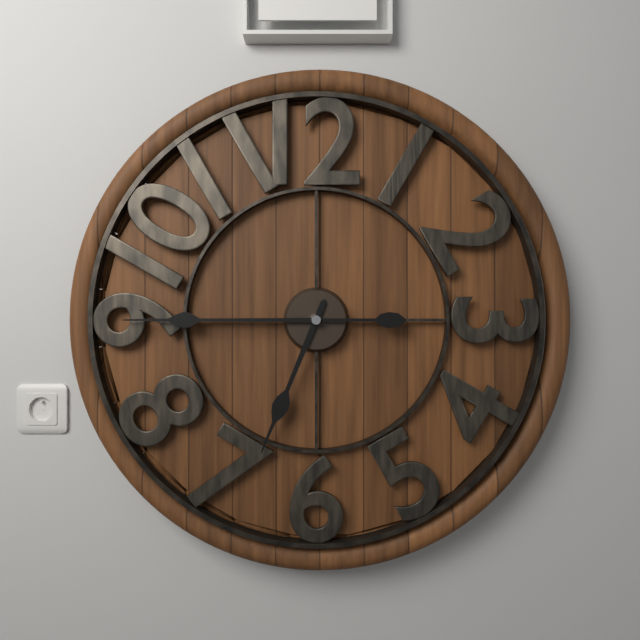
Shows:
6,45
